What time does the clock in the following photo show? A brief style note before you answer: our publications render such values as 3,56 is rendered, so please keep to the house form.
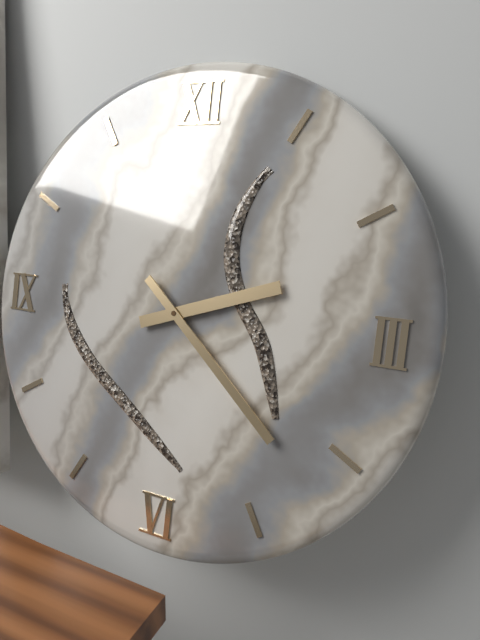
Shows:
2,22
